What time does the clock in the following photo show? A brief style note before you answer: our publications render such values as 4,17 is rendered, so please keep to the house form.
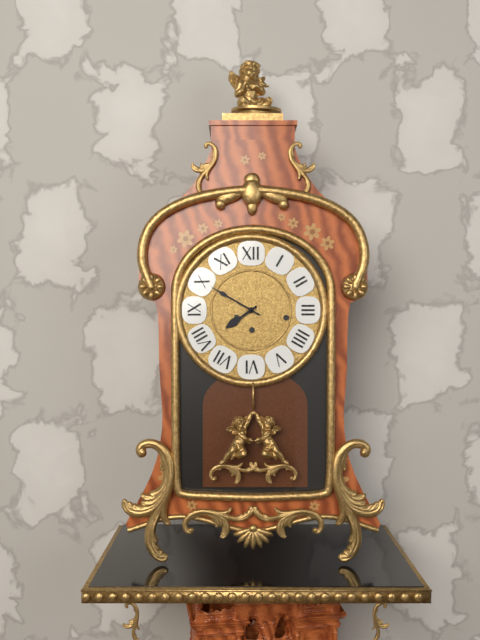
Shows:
7,50
